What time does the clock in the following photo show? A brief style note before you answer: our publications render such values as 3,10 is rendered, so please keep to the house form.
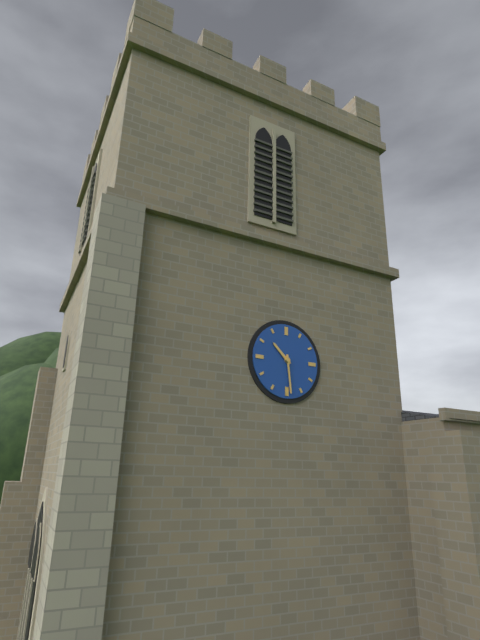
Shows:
10,29
